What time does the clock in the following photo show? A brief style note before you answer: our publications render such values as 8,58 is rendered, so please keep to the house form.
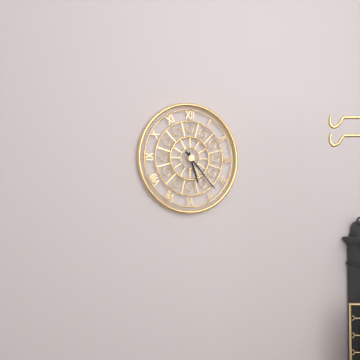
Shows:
5,23
